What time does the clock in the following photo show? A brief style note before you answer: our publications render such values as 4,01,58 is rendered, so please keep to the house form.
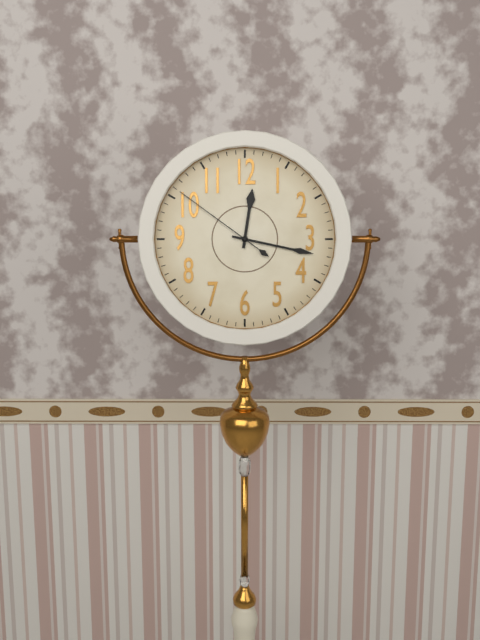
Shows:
12,17,51
